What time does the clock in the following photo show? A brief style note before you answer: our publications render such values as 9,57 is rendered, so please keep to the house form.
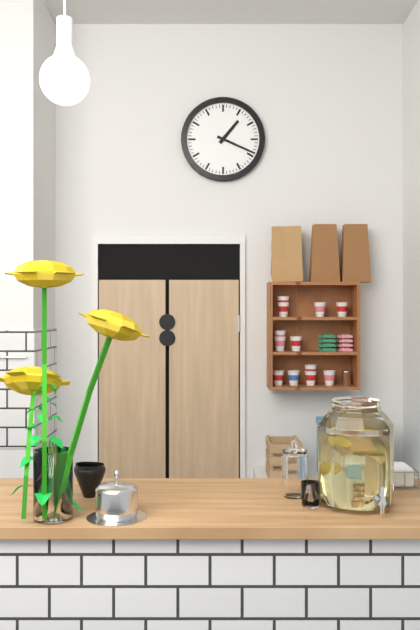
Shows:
1,19
